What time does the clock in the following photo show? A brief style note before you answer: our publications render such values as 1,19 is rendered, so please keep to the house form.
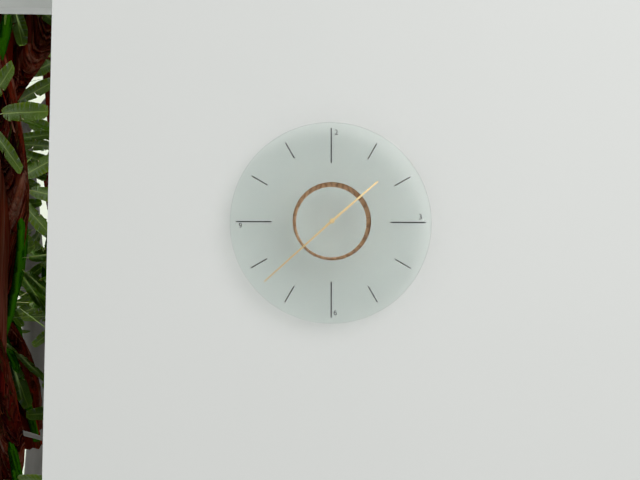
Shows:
1,38
